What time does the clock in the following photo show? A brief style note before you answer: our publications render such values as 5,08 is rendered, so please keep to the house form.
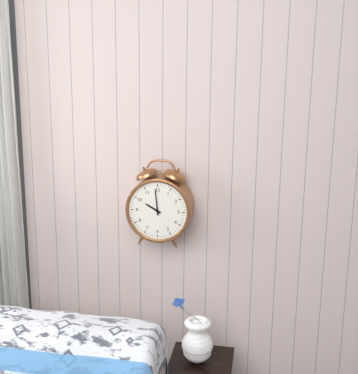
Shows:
9,59
